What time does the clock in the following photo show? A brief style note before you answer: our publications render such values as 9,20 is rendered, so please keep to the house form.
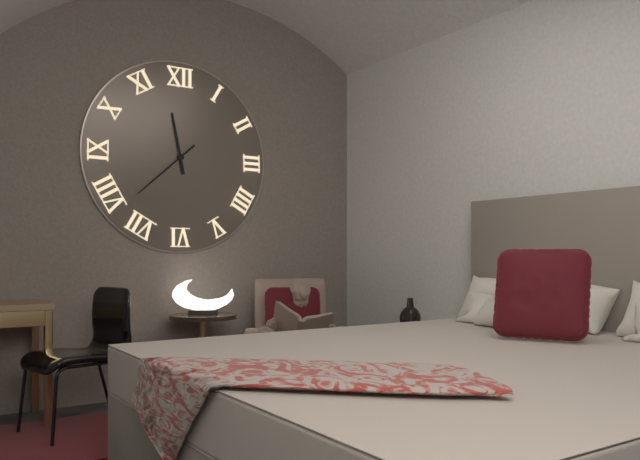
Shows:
11,38
